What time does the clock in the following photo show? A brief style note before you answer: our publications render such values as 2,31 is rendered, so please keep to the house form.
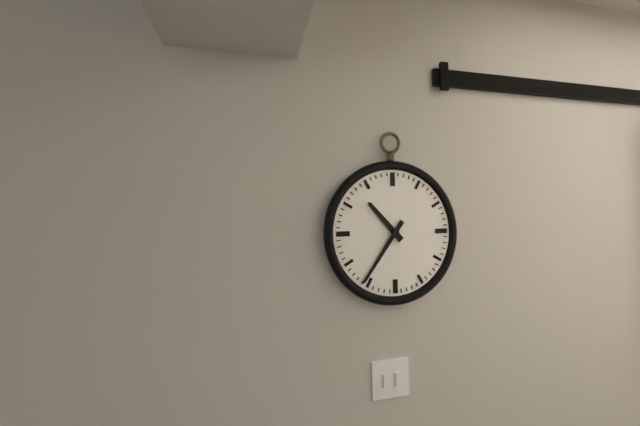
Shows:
10,36
